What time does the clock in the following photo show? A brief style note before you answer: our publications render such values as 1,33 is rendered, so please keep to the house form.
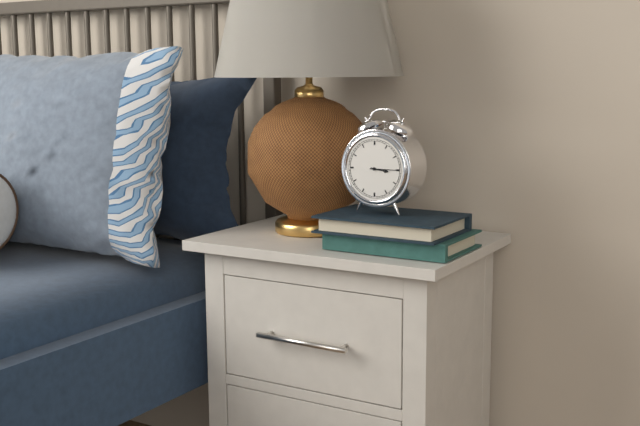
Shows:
3,15
